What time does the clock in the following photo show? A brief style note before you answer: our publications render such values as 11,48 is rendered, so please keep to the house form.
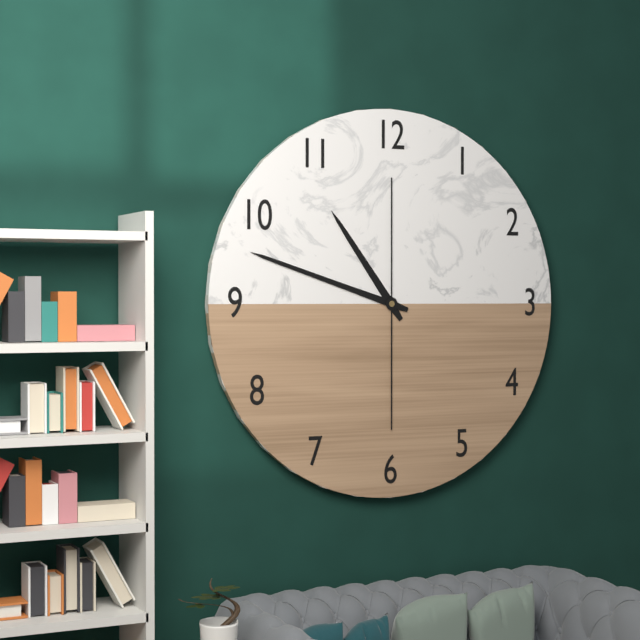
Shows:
10,48
